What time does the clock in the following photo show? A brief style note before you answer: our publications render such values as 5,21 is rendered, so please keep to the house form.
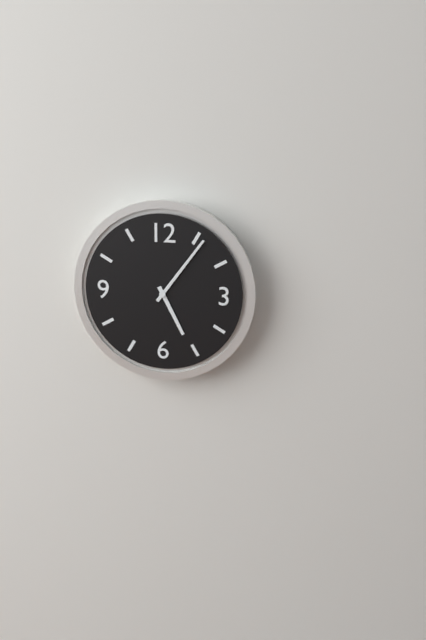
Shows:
5,06
